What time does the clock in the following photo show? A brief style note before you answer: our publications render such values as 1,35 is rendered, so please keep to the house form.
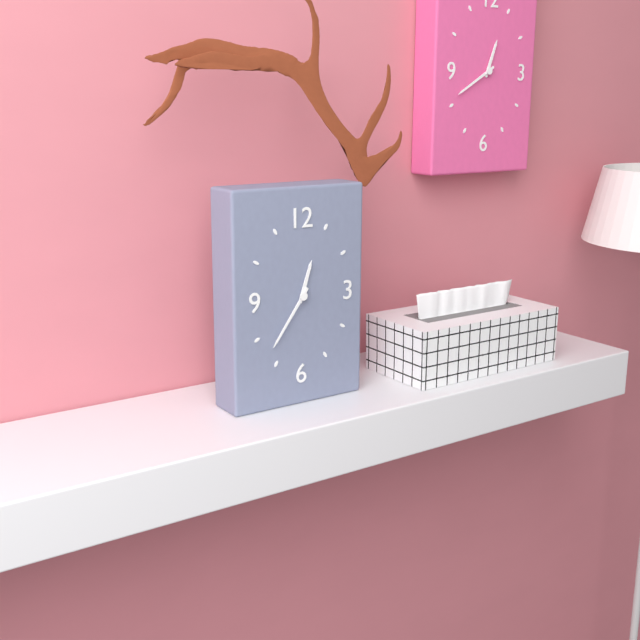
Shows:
12,36
